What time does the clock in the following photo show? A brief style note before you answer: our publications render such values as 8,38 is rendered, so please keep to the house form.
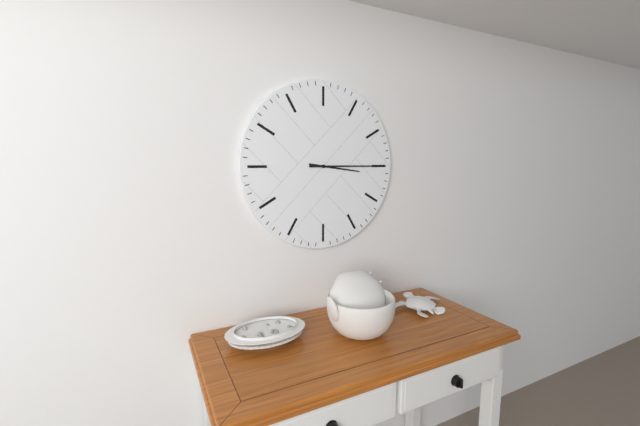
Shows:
3,15
